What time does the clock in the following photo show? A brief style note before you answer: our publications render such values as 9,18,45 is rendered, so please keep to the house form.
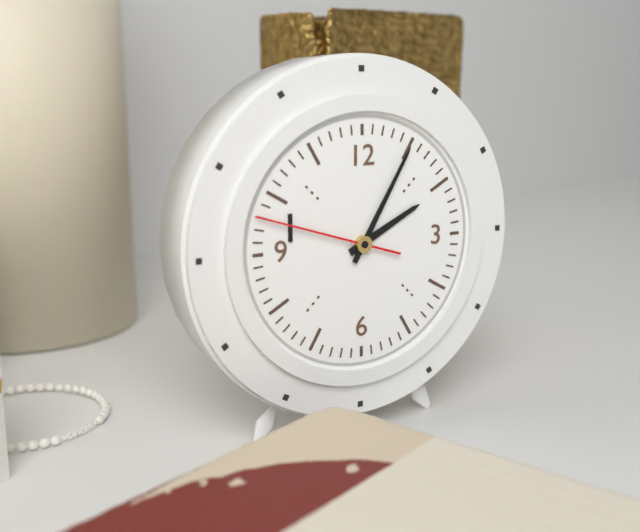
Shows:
2,05,48
